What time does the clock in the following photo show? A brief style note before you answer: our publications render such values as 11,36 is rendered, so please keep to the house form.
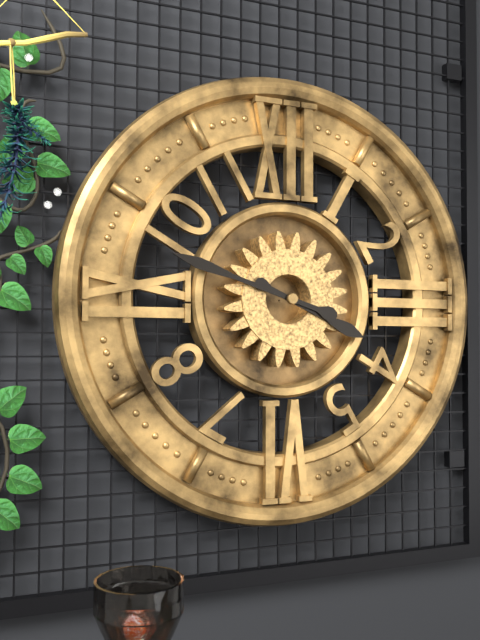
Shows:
3,48
